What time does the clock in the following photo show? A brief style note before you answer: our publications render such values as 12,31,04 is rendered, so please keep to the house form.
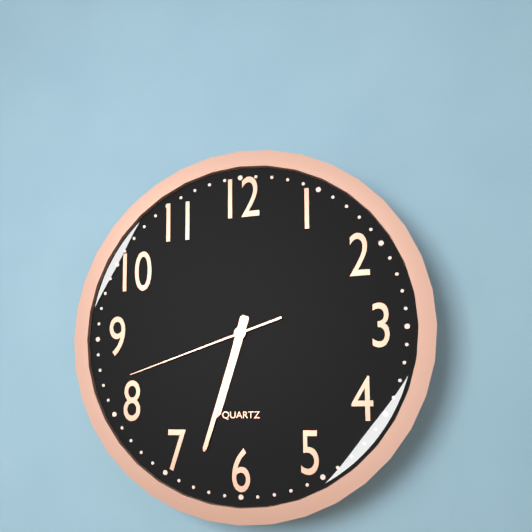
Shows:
6,33,42
